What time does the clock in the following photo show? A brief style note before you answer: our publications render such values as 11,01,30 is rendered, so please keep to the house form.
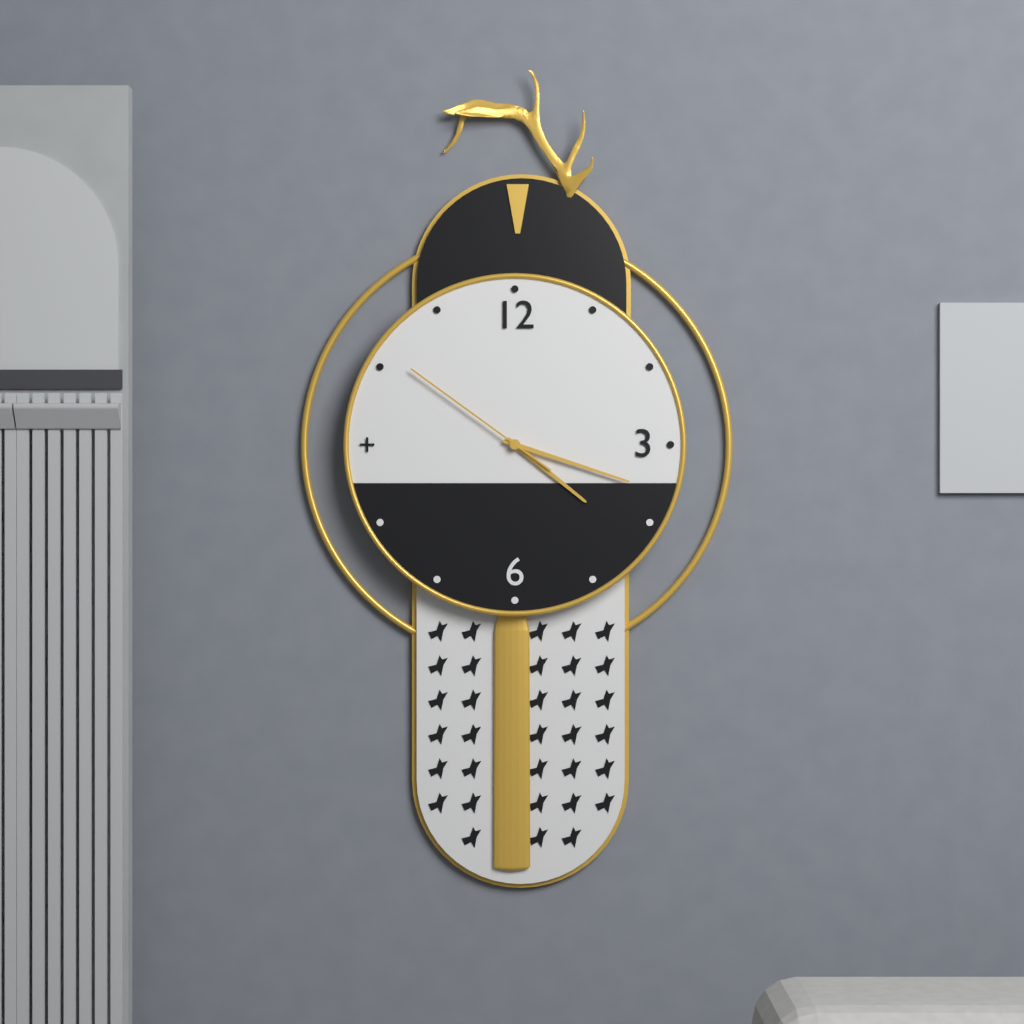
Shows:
4,18,51
